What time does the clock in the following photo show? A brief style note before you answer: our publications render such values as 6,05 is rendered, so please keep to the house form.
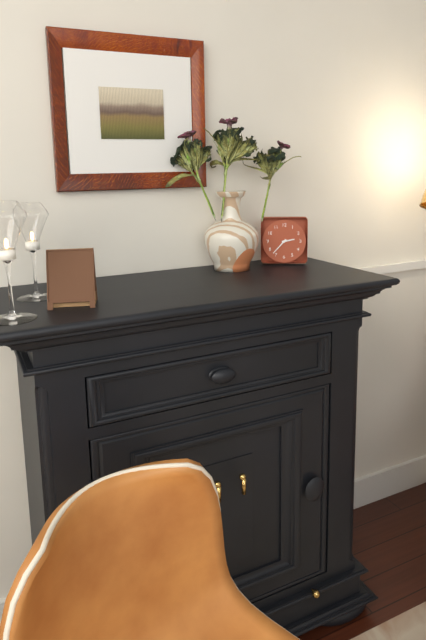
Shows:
2,37
